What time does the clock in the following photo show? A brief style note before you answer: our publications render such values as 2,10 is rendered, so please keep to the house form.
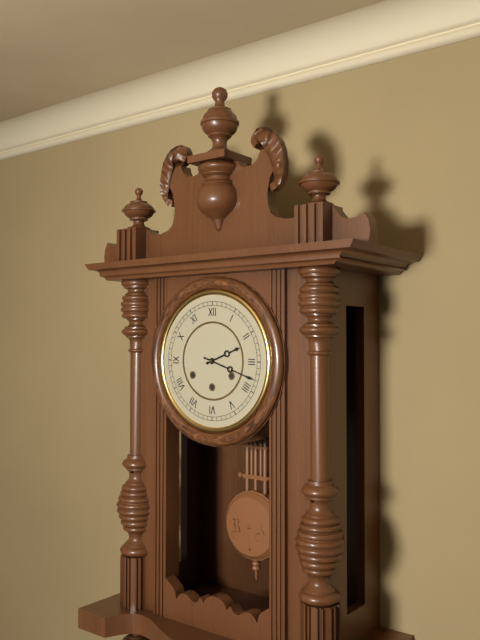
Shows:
2,18
